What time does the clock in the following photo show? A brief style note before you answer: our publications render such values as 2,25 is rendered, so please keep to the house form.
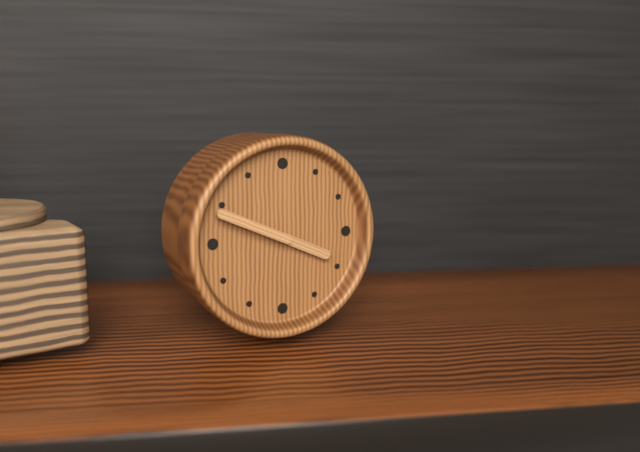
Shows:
3,49
